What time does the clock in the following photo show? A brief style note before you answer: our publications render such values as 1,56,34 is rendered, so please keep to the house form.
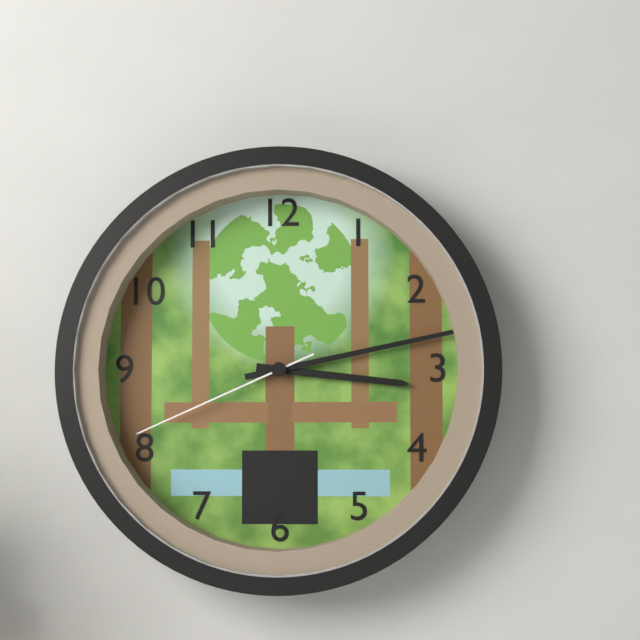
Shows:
3,13,41
